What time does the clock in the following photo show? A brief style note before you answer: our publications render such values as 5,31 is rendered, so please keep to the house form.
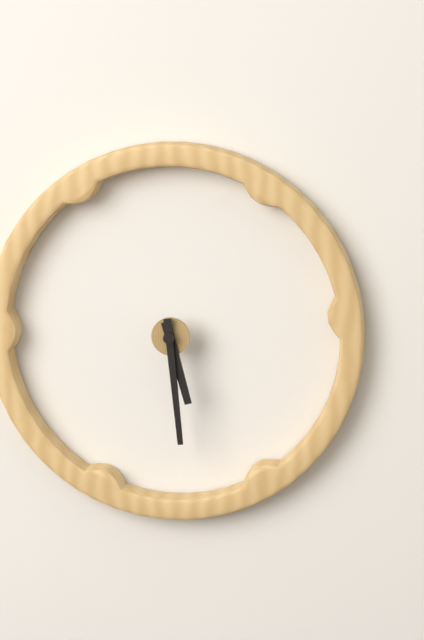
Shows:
5,29
